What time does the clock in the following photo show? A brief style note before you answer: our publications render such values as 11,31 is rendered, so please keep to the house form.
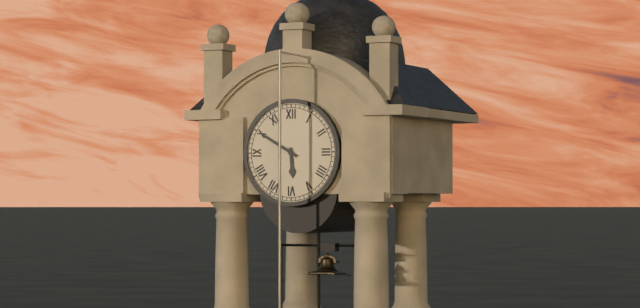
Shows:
5,50
